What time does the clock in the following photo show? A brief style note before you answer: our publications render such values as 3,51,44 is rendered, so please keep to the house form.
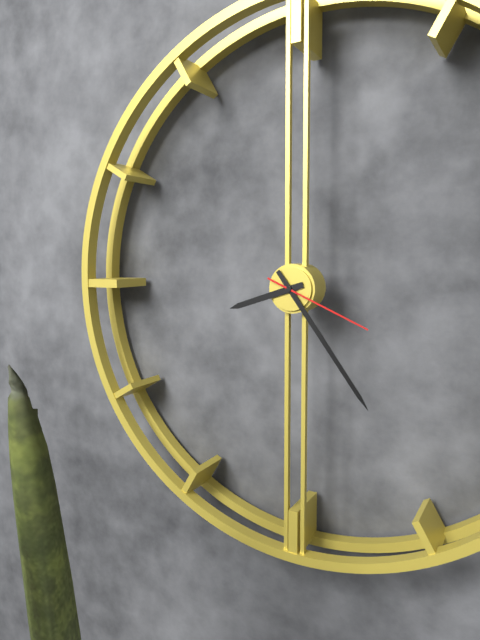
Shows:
8,24,19
